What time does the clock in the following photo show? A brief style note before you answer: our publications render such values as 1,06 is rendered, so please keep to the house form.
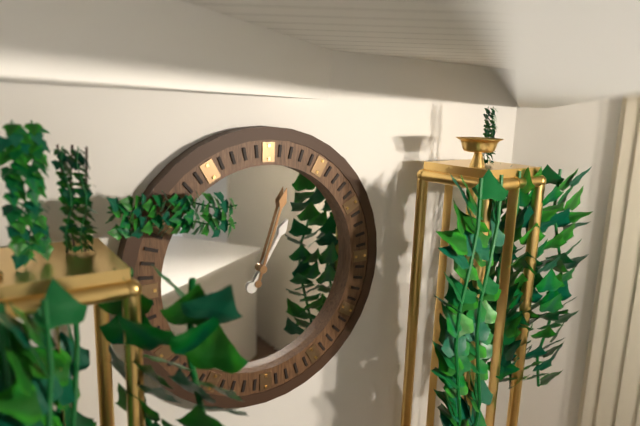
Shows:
1,03
